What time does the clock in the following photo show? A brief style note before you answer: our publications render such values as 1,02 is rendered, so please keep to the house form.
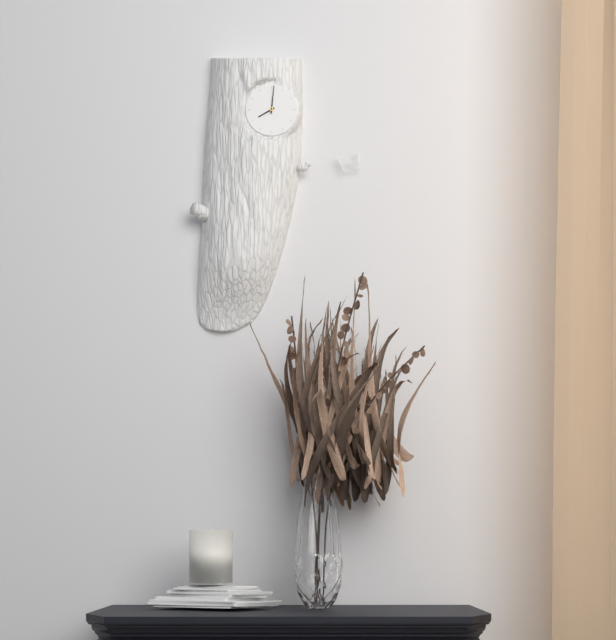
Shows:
8,01
